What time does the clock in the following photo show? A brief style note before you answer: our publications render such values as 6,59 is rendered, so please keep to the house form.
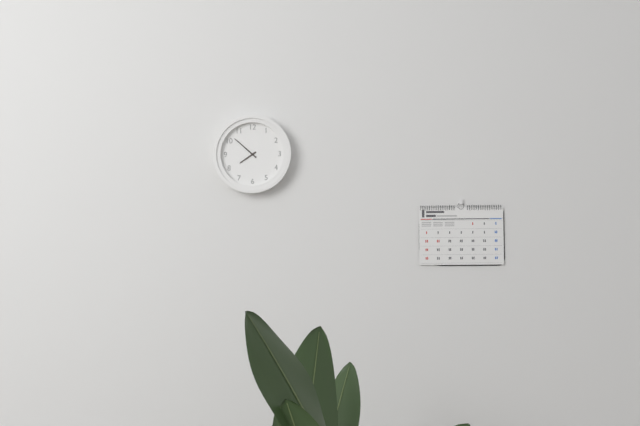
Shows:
7,52
